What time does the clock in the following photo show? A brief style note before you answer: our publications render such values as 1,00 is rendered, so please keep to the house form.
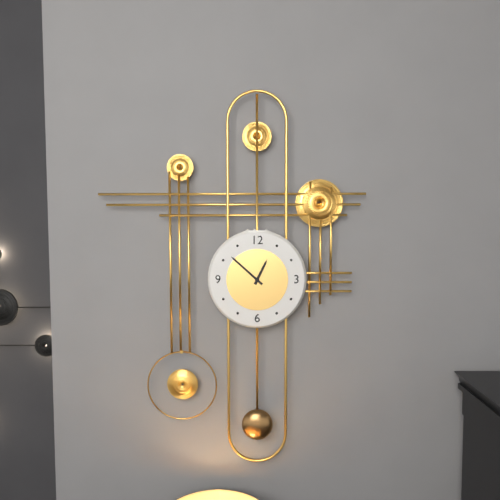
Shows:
12,52
